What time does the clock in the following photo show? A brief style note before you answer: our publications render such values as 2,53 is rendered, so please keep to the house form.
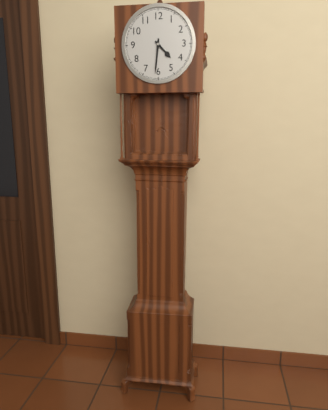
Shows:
4,31
